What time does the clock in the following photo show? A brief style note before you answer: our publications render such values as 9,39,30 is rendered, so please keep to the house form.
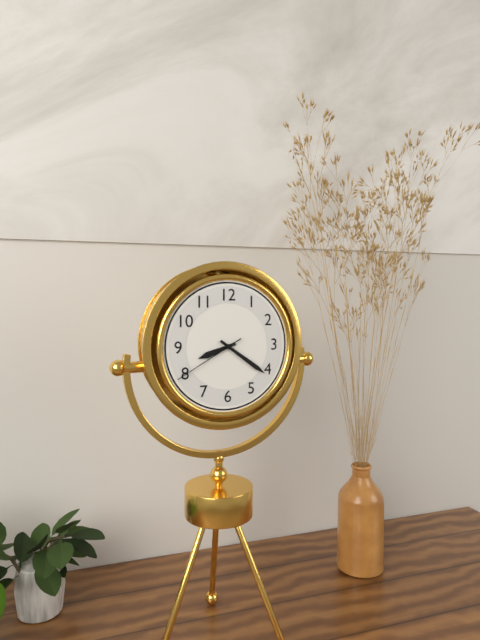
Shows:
8,21,40
